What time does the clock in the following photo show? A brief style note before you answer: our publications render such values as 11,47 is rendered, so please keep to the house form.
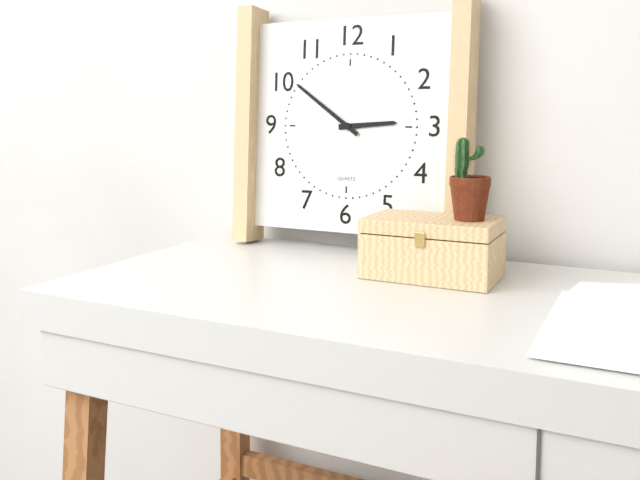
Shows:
2,51
